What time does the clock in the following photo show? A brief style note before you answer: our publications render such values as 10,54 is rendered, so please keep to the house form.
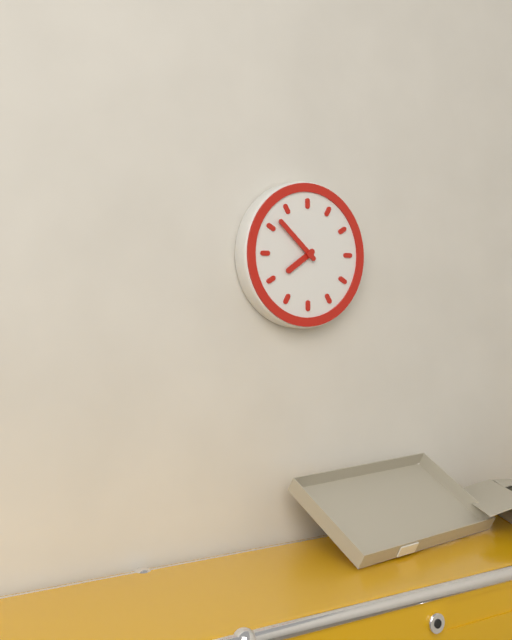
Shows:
7,52
